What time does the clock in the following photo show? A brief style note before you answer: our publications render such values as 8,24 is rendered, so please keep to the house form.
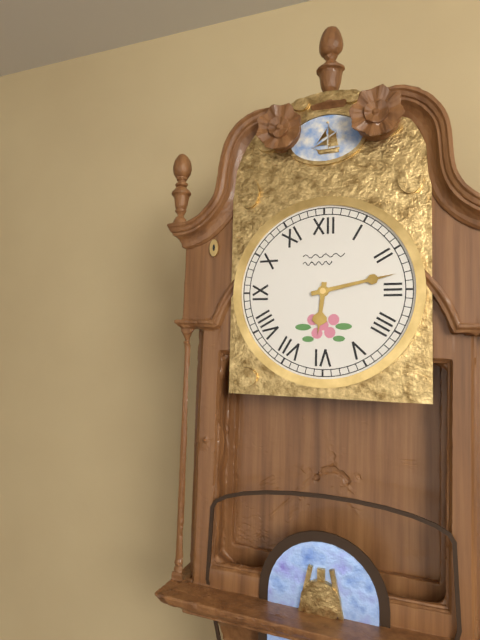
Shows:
6,13
